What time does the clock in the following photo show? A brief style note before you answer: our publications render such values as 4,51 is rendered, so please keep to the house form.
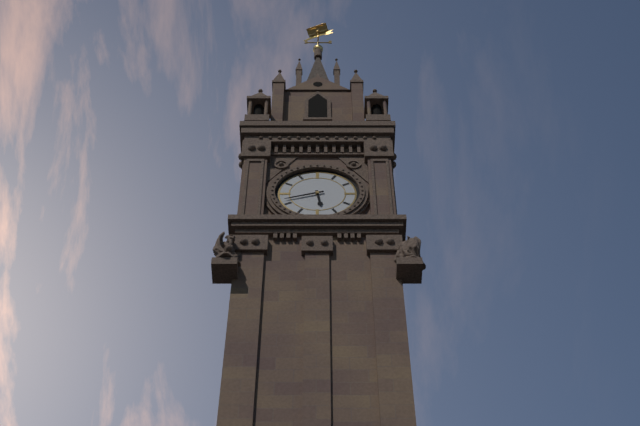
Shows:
5,42
